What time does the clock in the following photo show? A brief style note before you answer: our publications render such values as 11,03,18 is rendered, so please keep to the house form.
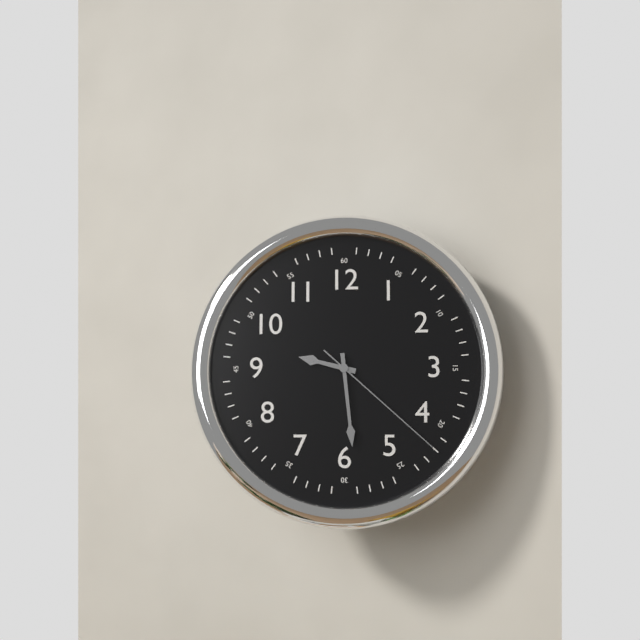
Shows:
9,29,22
